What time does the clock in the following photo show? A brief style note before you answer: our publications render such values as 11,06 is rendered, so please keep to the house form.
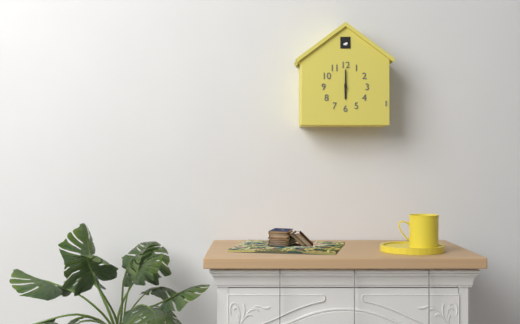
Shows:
6,00
